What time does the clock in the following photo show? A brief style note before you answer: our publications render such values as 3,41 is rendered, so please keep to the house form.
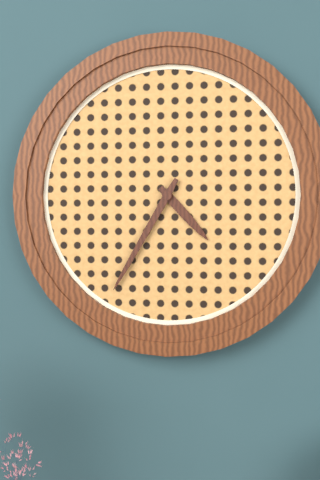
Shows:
4,35
